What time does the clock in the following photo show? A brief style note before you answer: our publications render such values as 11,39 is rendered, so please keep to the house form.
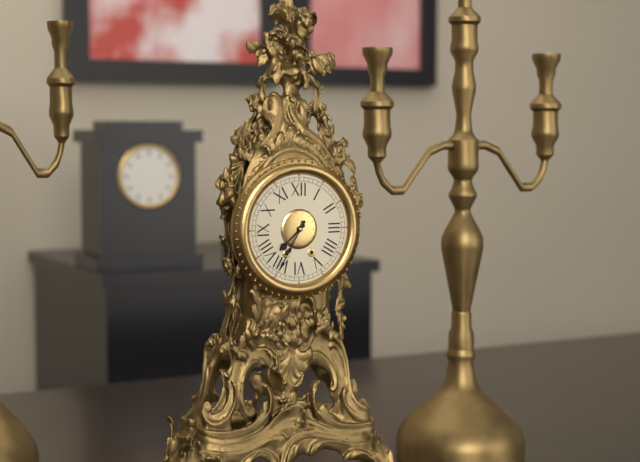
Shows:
7,35
